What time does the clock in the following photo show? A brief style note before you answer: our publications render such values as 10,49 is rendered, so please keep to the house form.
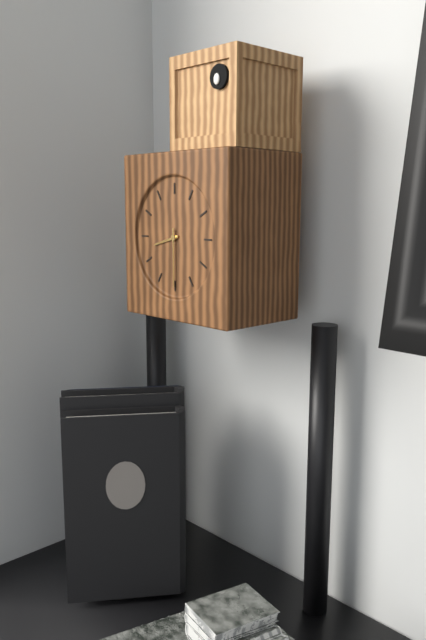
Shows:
8,30
